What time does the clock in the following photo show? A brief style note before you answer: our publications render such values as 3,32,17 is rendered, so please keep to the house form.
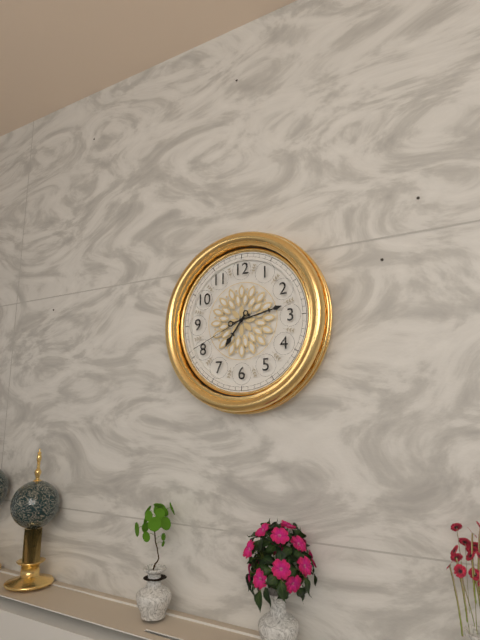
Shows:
7,13,41
